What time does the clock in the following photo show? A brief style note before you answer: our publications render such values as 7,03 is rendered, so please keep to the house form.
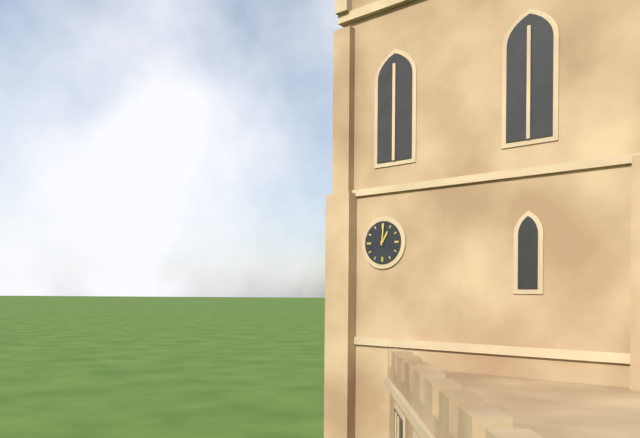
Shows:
1,01
